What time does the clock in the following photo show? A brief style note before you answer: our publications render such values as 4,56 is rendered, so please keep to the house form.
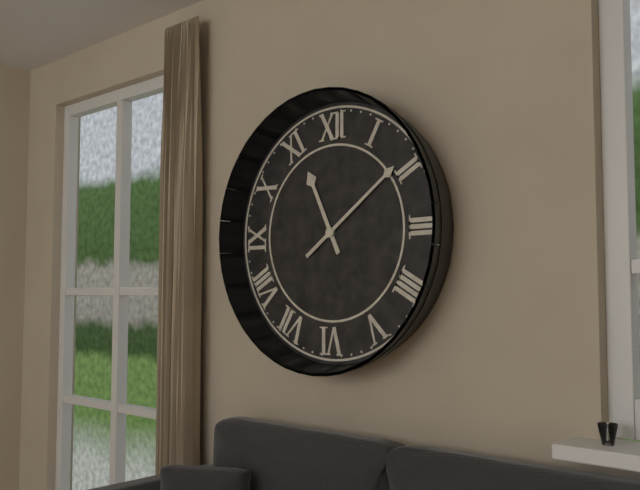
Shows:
11,09
